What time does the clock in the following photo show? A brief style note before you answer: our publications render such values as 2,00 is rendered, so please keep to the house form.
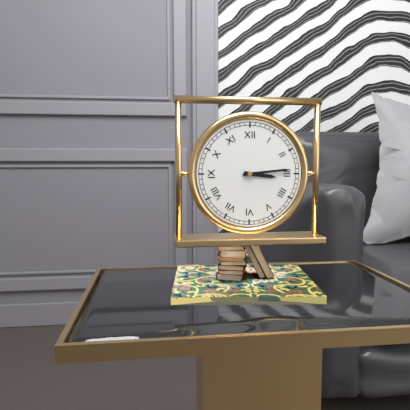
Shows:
3,14
